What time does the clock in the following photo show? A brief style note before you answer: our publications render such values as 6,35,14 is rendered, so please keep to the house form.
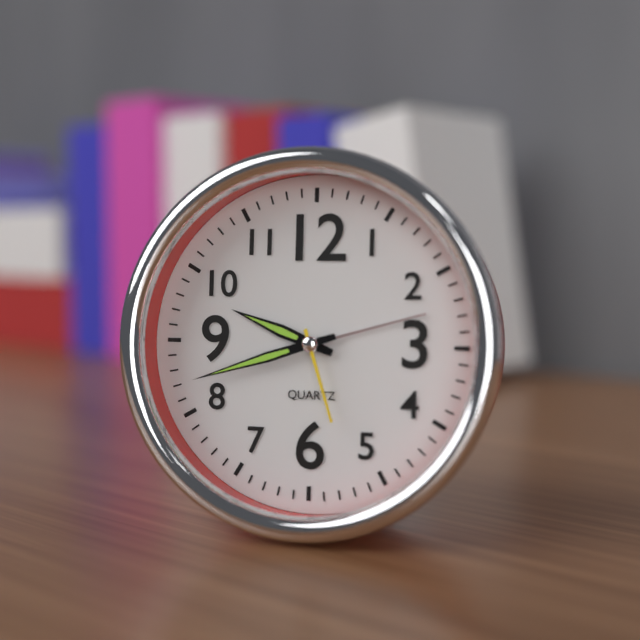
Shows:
9,42,27
